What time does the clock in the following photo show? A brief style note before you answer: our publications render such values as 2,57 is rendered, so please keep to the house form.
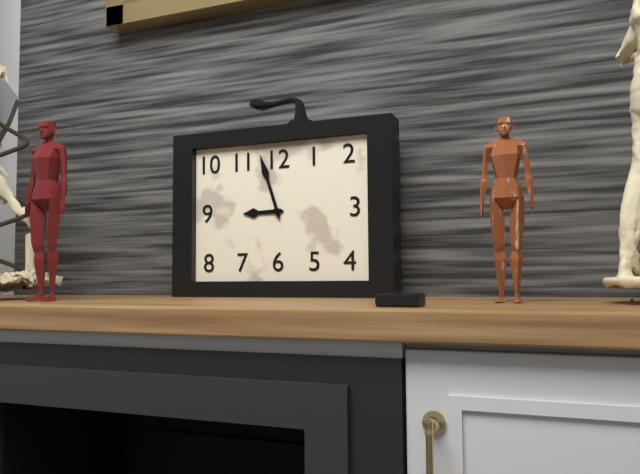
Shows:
8,57
